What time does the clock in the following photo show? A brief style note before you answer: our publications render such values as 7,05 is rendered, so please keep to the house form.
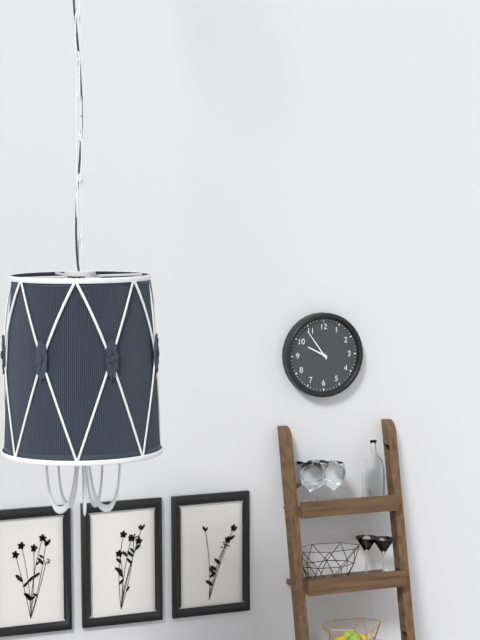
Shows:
9,54
